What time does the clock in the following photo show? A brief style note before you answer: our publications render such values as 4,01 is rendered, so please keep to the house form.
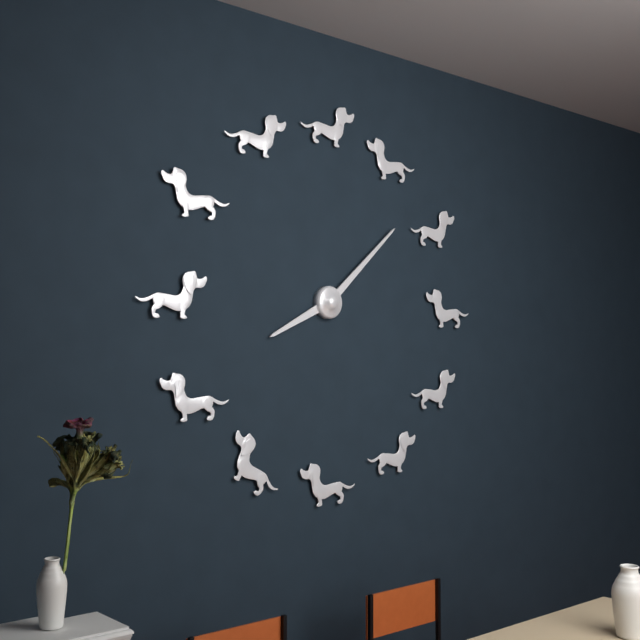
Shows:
8,08
